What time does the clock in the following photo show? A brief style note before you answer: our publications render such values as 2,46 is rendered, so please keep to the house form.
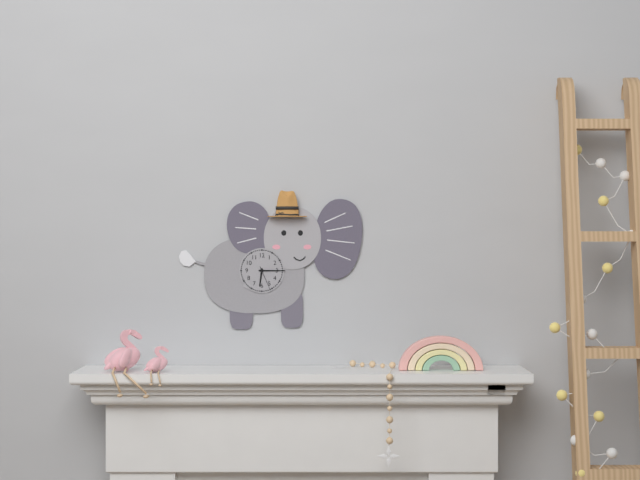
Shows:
6,15
